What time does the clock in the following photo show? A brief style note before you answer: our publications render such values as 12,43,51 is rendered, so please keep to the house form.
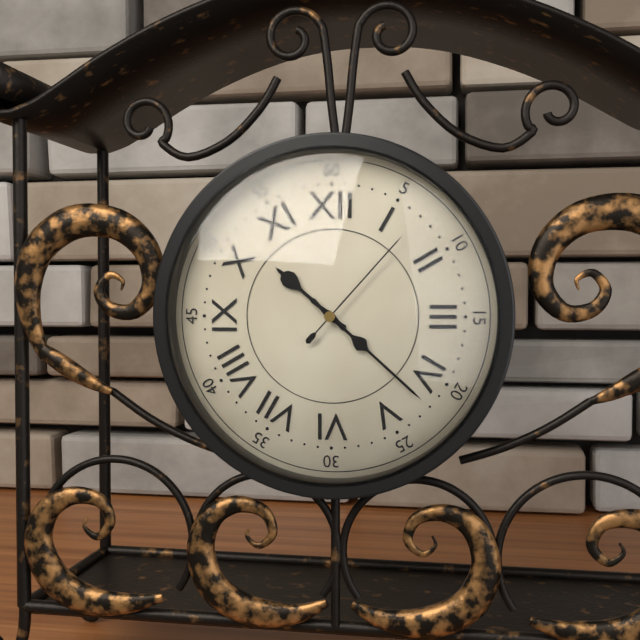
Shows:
10,22,07
